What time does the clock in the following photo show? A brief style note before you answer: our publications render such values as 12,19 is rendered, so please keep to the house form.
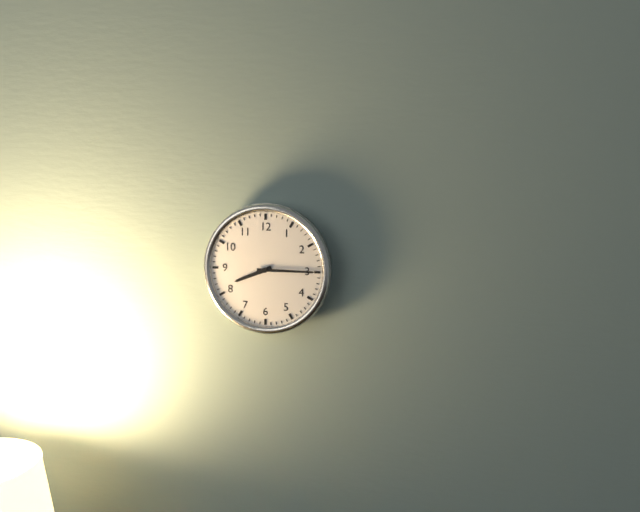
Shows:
8,15
